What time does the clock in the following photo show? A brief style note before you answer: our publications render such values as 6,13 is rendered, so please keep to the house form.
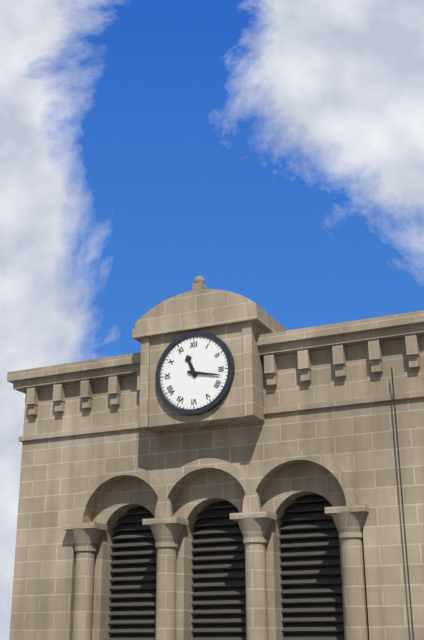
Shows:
11,17
